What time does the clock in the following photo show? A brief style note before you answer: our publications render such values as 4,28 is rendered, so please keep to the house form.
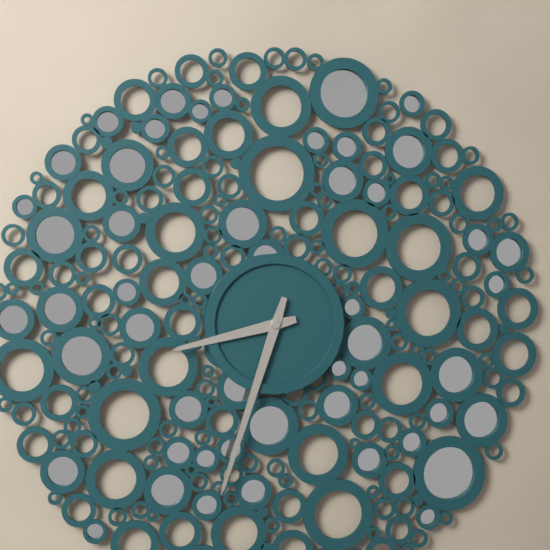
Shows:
8,33
